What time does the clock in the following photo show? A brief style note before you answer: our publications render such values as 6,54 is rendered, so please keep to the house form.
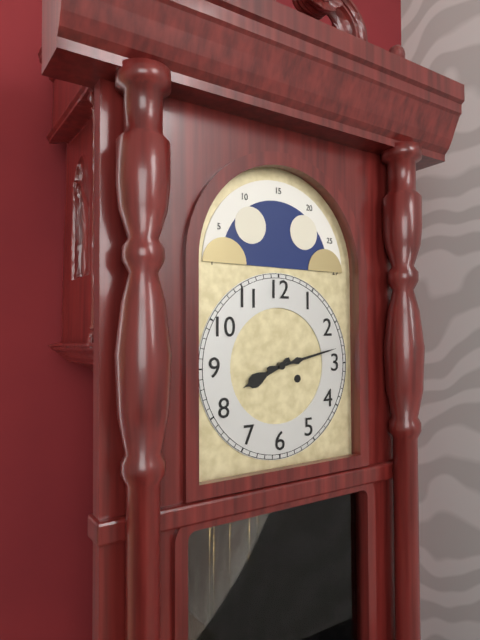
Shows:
8,13
